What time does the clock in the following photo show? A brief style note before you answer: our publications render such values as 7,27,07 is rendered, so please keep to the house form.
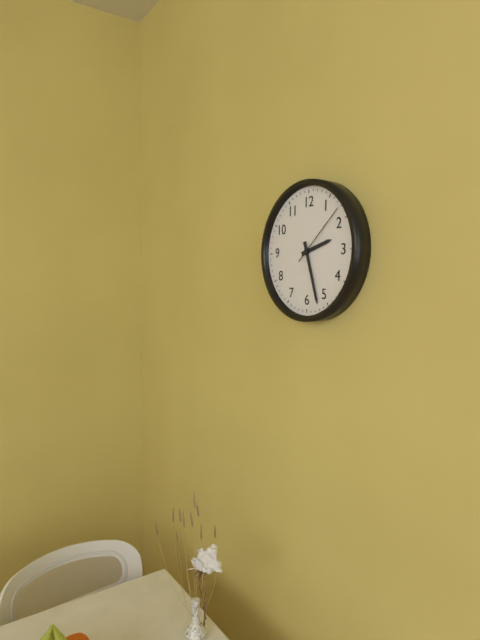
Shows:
2,27,08
